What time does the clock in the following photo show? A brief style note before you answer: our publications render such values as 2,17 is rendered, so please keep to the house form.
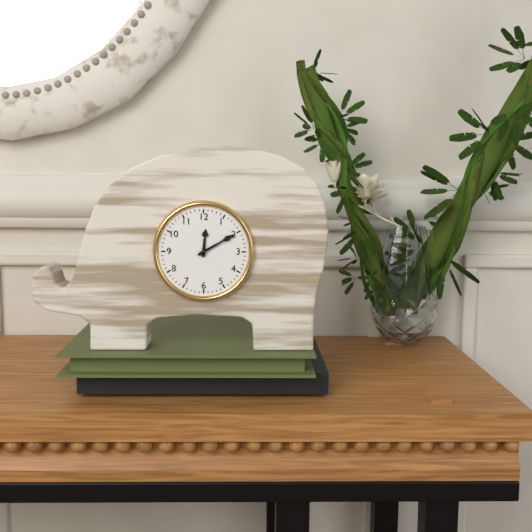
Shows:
12,10
